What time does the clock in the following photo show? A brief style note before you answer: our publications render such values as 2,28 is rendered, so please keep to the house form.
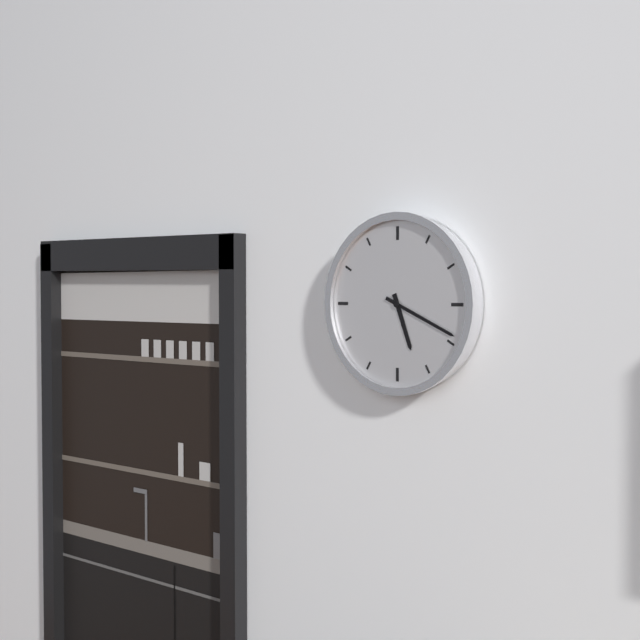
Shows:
5,19
